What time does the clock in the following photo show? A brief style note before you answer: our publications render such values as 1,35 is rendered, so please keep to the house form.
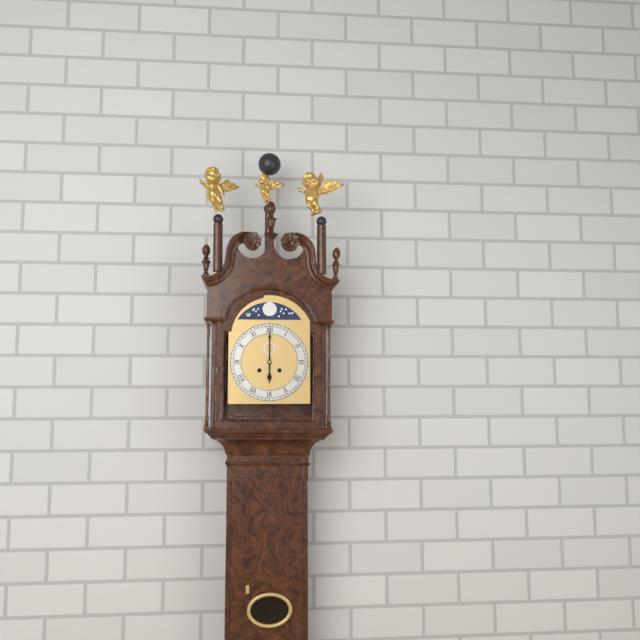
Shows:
6,00
